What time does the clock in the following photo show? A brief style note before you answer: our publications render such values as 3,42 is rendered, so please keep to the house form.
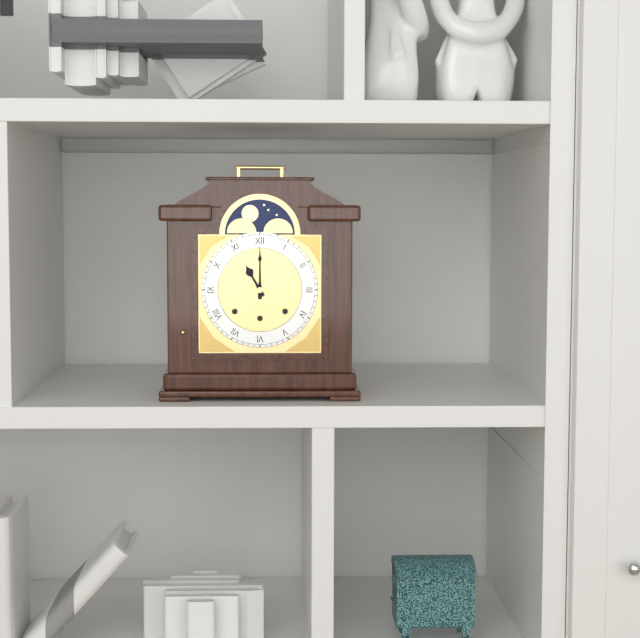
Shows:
11,00
